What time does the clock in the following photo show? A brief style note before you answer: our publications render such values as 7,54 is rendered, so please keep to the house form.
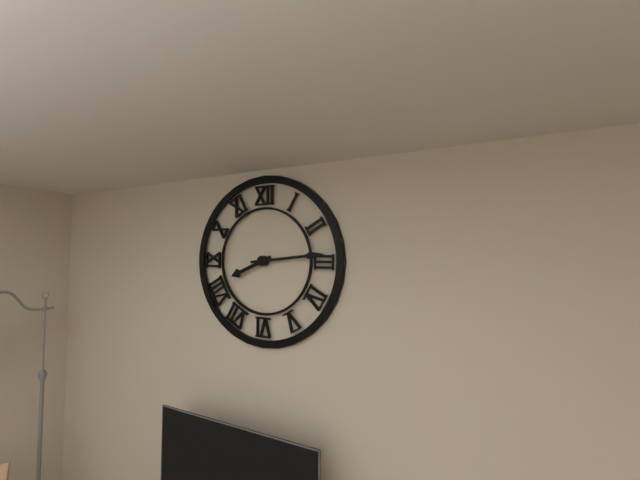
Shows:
8,14
